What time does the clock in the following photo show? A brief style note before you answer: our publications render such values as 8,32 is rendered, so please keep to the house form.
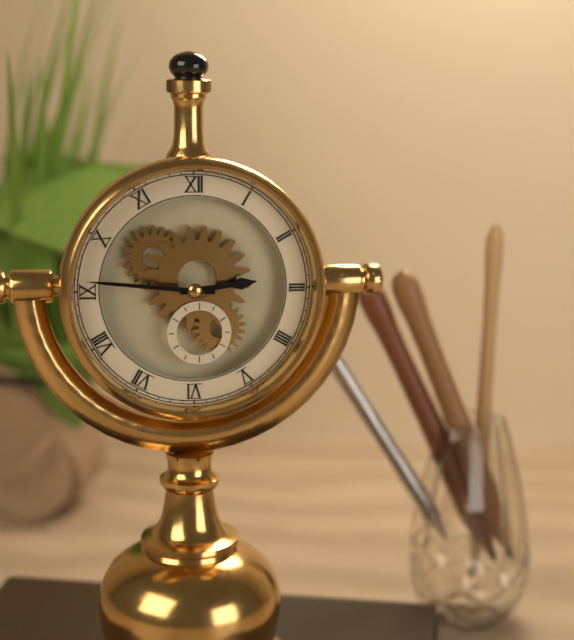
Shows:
2,46
